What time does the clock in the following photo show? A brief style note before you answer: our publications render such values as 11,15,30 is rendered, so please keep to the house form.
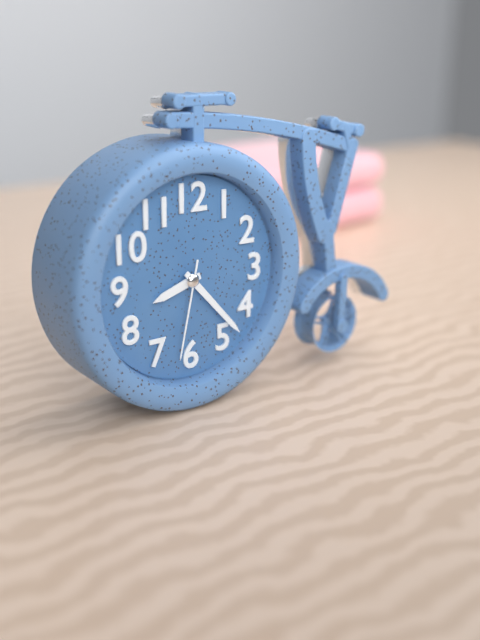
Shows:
8,23,32
